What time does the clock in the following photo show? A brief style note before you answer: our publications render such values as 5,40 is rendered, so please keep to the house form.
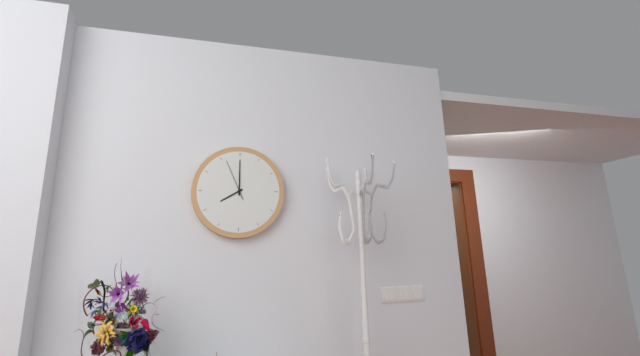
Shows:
8,00
